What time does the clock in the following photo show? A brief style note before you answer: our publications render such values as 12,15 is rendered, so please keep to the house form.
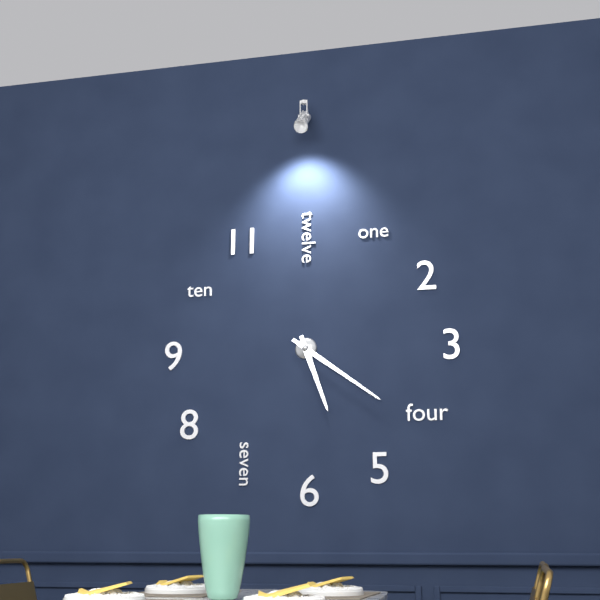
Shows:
5,21
